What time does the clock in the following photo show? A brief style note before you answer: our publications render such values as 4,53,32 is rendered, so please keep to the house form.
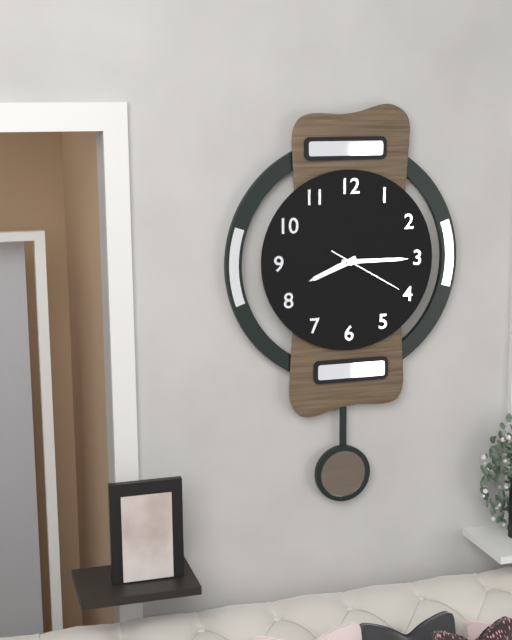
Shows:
8,15,20
